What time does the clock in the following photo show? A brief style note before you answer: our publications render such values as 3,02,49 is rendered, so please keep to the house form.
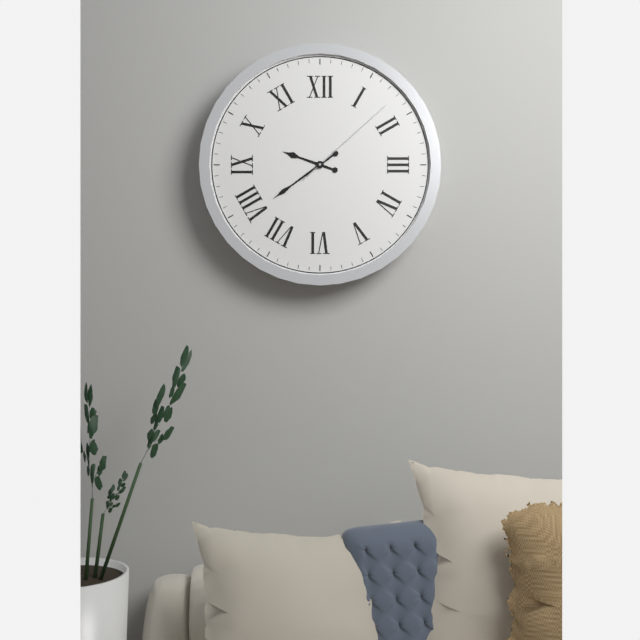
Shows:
9,39,08
